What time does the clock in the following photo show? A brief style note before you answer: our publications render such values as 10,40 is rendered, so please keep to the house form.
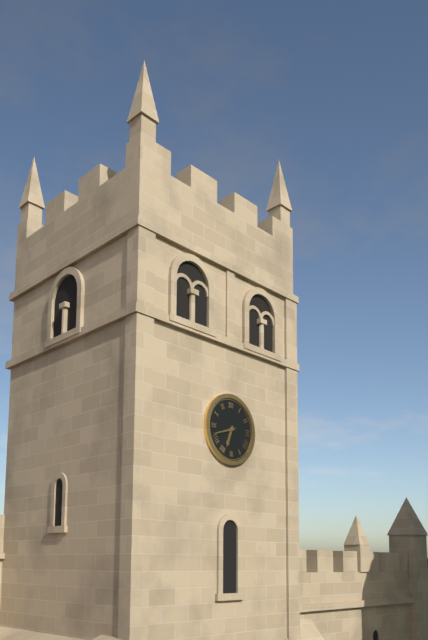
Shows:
6,42
